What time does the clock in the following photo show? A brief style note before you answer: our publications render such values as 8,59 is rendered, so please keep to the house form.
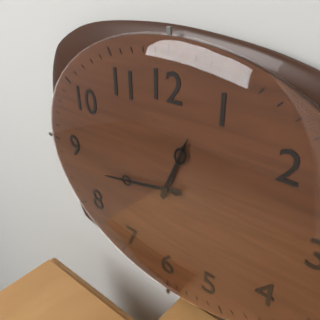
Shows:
12,43
